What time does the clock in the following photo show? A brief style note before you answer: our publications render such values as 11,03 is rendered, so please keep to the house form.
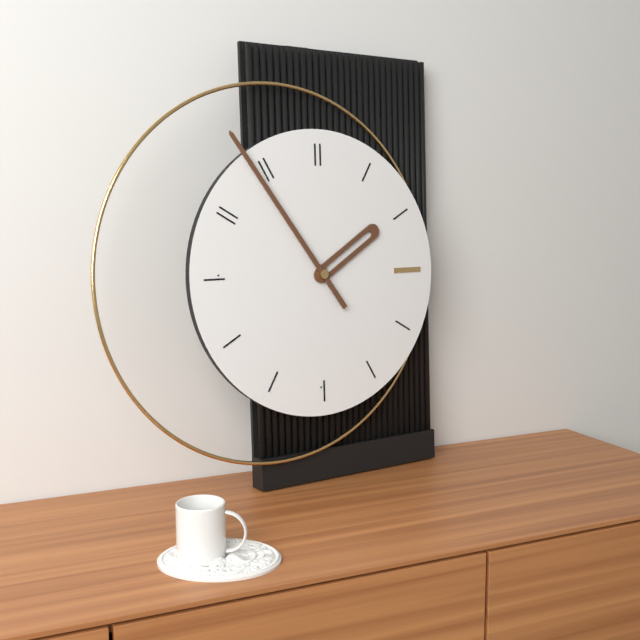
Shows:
1,54
